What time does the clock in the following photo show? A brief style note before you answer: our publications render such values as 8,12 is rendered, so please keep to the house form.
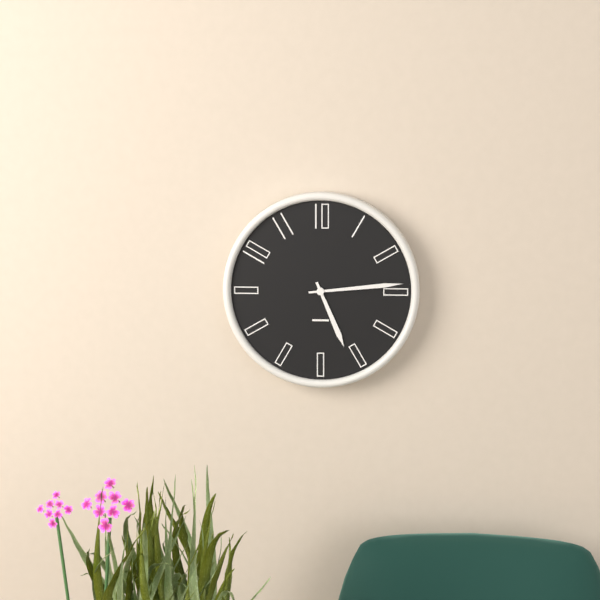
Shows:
5,14
